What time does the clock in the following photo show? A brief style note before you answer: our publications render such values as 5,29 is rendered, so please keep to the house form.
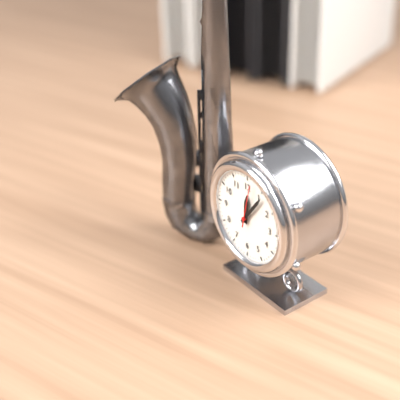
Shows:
12,06
